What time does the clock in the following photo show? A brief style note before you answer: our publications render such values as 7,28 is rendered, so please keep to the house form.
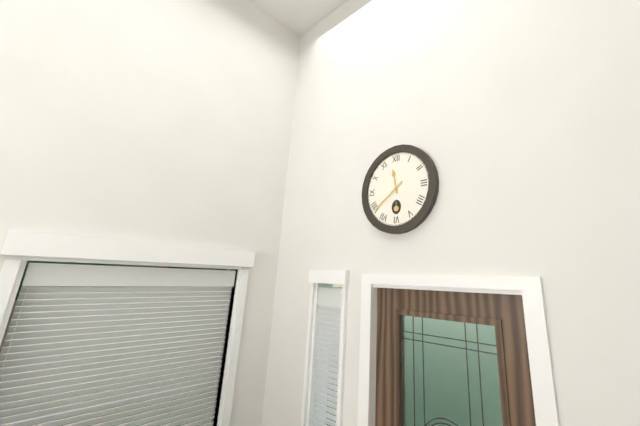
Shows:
11,39
